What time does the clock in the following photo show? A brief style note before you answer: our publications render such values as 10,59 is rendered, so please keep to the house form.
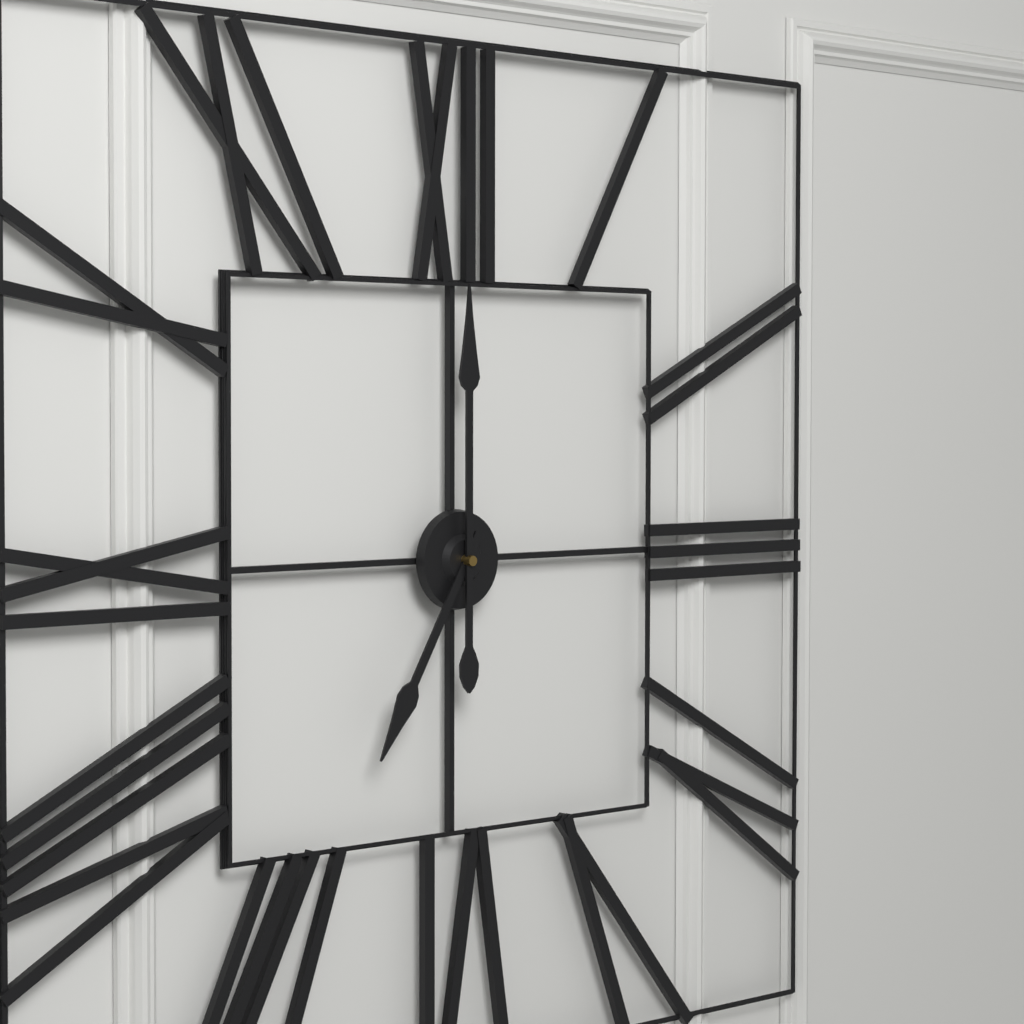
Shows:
7,00
